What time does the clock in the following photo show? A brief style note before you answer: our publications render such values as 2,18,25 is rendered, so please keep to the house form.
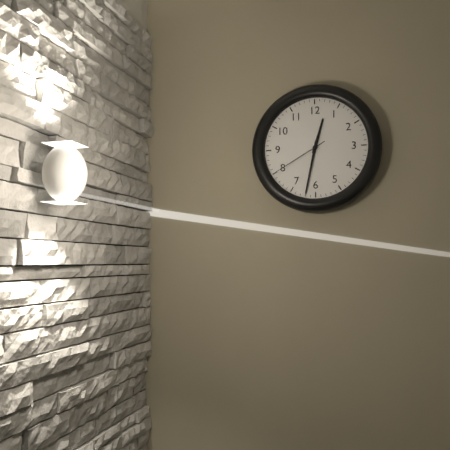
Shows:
12,32,40
